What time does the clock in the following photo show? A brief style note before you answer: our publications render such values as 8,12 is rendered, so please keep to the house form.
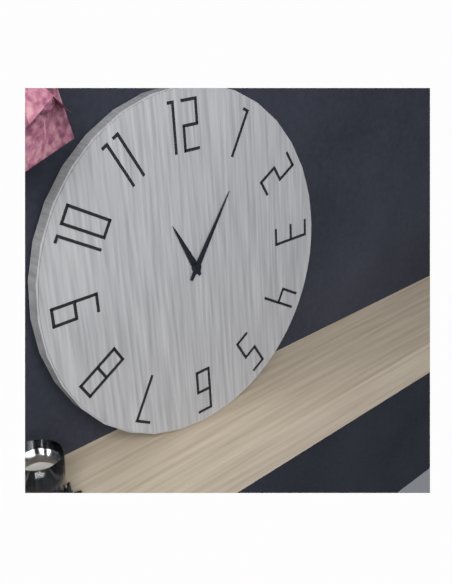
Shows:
11,06
